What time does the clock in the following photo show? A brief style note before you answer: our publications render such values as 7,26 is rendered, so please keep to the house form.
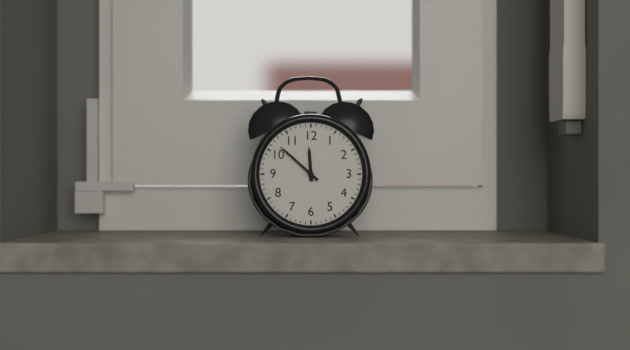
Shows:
11,52
